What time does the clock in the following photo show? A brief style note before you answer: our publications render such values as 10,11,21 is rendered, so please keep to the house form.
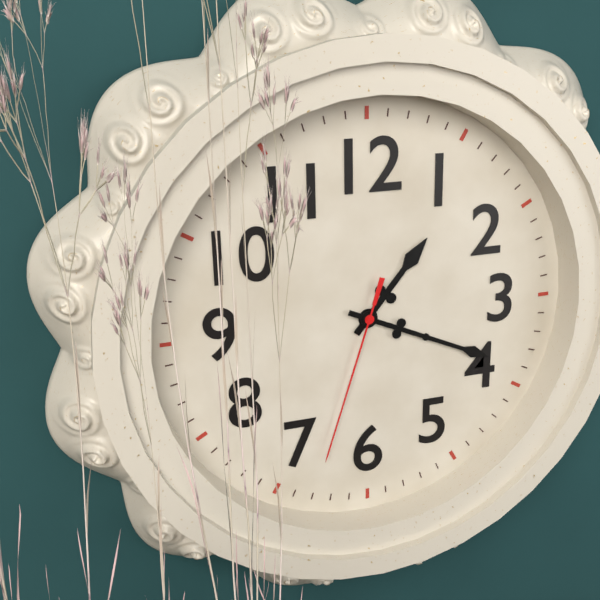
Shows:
1,19,33
